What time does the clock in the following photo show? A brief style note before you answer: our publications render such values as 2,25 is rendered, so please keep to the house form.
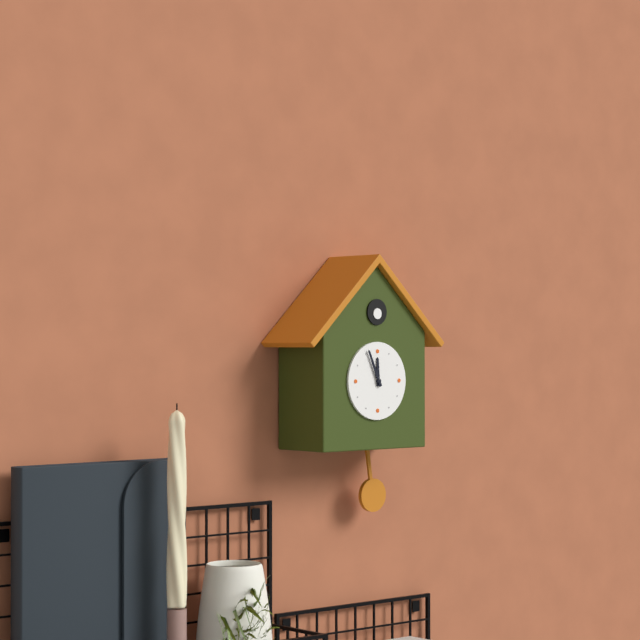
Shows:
11,56
